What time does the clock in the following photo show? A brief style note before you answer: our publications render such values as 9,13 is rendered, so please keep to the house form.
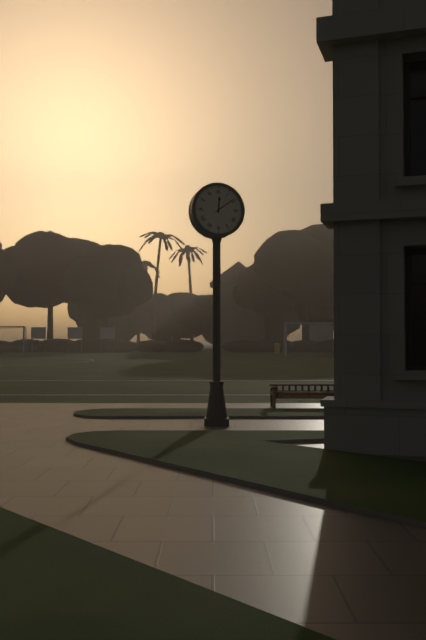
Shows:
12,09
